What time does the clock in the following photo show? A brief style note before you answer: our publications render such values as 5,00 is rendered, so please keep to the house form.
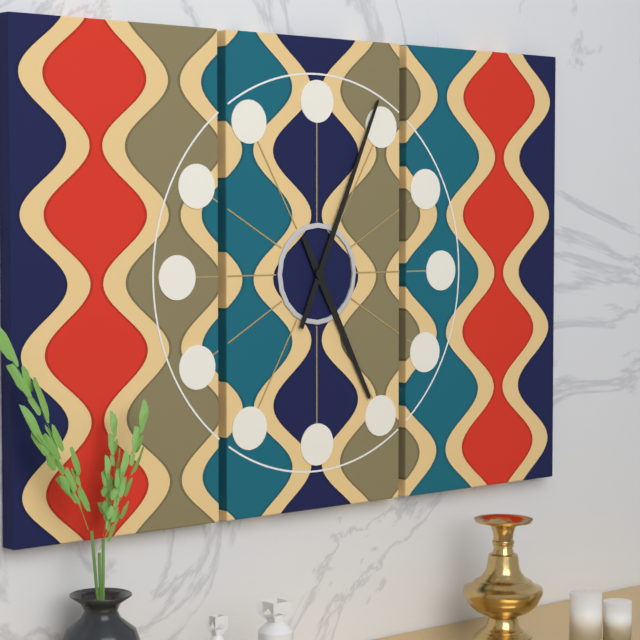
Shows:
5,04
